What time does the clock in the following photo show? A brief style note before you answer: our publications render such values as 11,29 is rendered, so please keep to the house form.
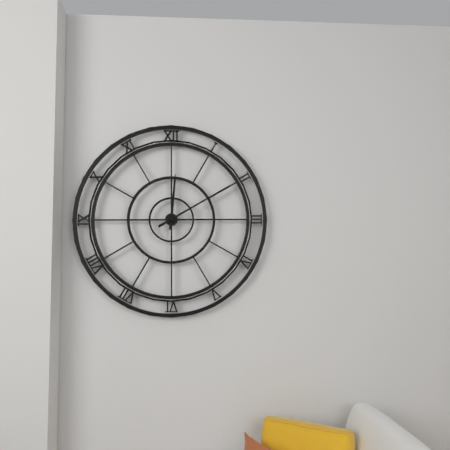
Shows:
12,10
